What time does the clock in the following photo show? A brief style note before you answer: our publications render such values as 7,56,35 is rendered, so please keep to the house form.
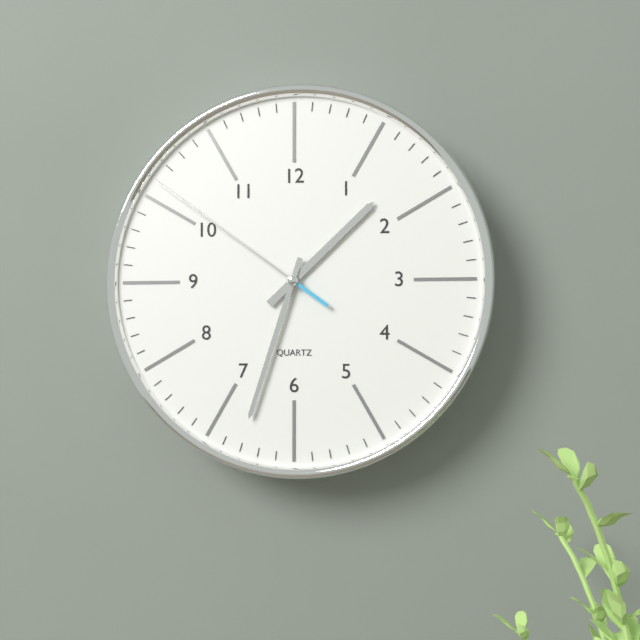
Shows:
1,33,51
